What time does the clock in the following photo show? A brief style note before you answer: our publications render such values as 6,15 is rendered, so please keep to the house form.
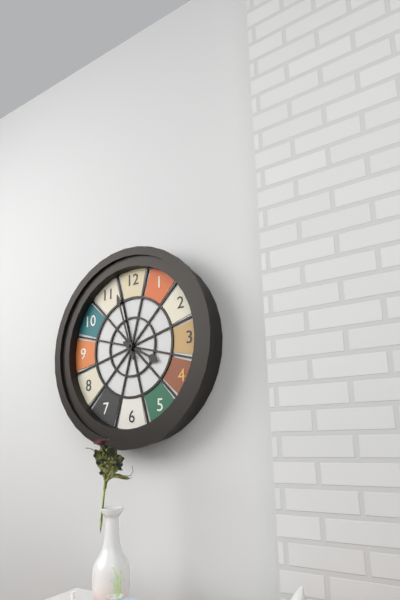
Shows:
3,57
